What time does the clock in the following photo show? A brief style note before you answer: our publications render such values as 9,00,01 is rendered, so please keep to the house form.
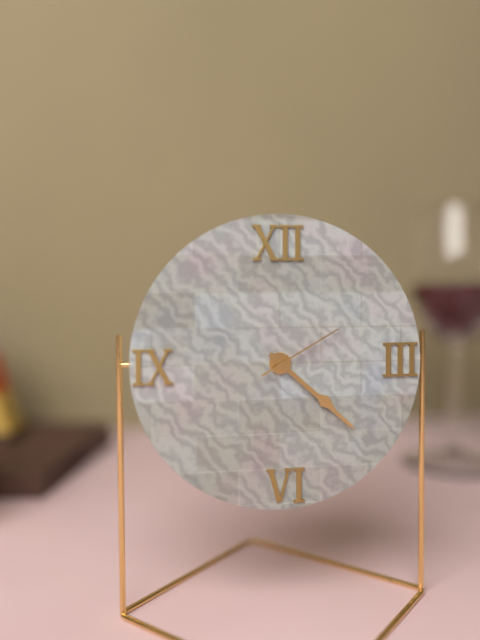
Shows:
4,22,10
